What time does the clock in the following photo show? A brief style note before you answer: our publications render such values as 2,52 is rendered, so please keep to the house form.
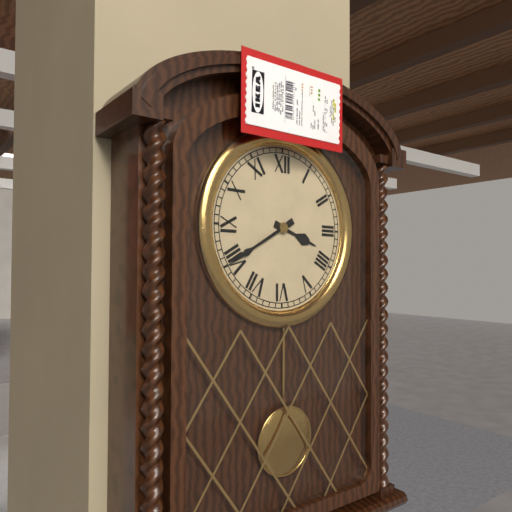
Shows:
3,40
